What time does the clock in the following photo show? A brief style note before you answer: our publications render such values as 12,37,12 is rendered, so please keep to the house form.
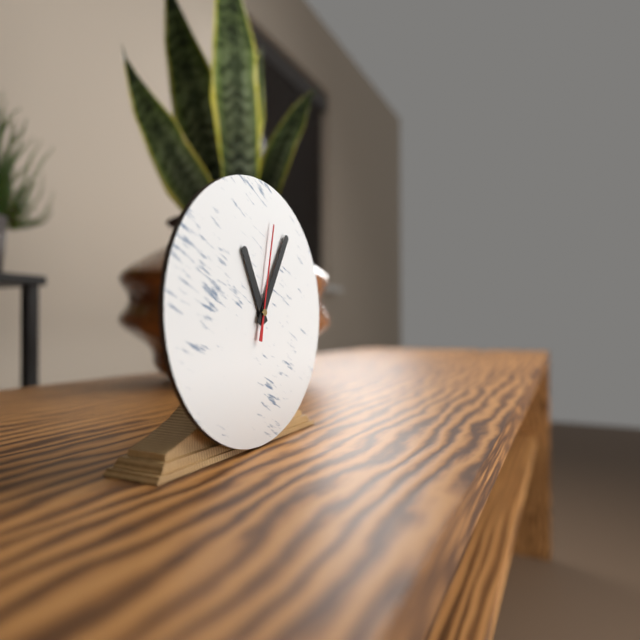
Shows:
11,05,02
